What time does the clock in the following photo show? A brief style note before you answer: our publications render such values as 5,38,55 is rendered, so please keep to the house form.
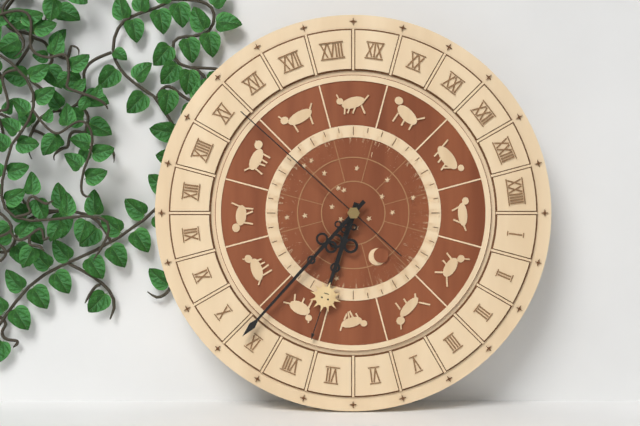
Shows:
6,37,52
